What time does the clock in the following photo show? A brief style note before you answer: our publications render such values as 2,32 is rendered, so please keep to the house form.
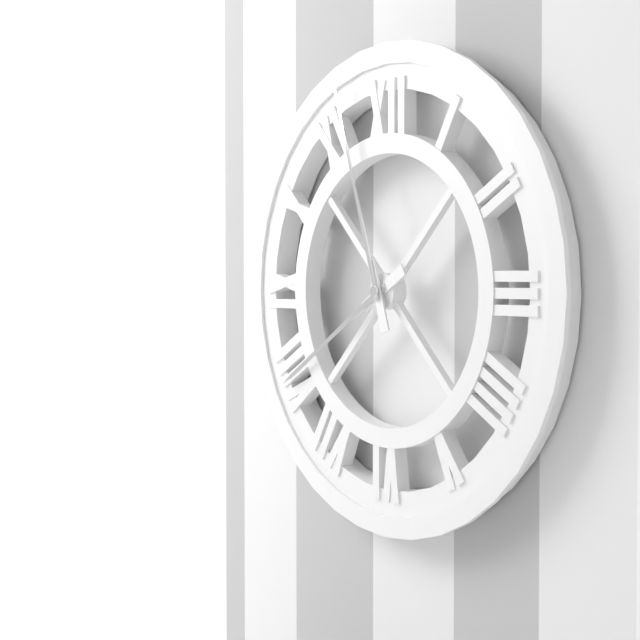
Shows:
7,57
